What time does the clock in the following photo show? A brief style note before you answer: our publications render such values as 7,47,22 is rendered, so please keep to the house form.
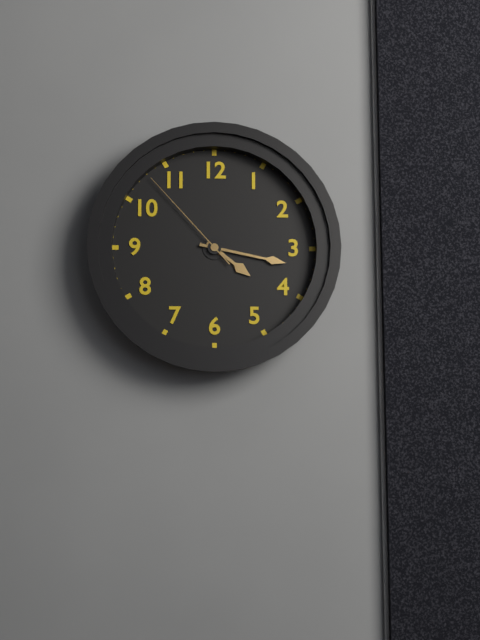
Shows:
4,17,53
